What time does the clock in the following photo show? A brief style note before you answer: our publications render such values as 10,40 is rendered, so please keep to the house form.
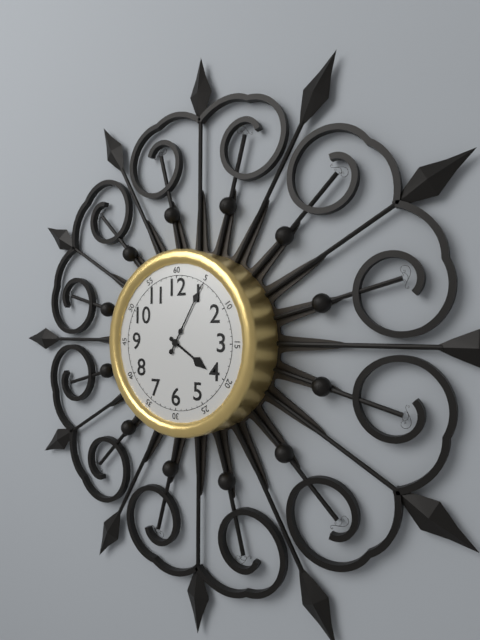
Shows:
4,05
